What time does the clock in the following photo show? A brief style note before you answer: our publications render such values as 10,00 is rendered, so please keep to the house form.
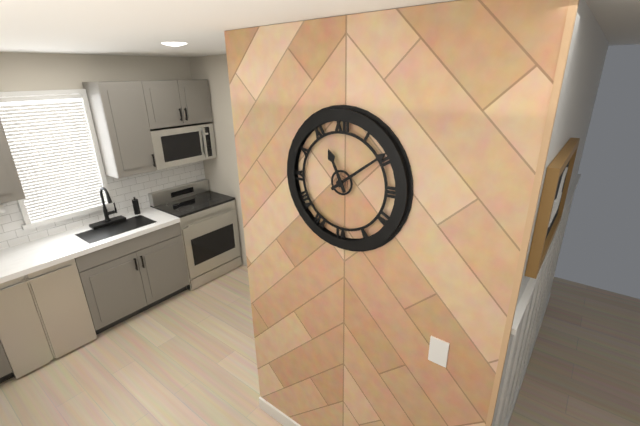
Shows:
11,09
